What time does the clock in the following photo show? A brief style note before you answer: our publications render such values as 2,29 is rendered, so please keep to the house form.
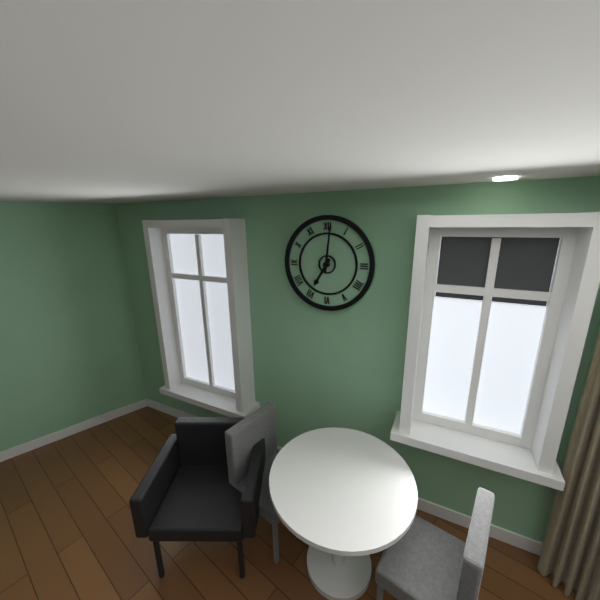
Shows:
7,01
